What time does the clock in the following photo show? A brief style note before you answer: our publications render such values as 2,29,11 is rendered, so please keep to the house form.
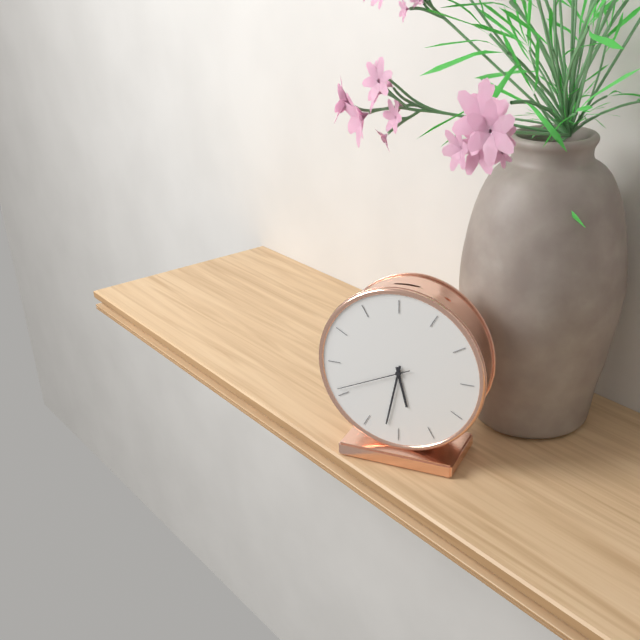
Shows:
5,32,41
